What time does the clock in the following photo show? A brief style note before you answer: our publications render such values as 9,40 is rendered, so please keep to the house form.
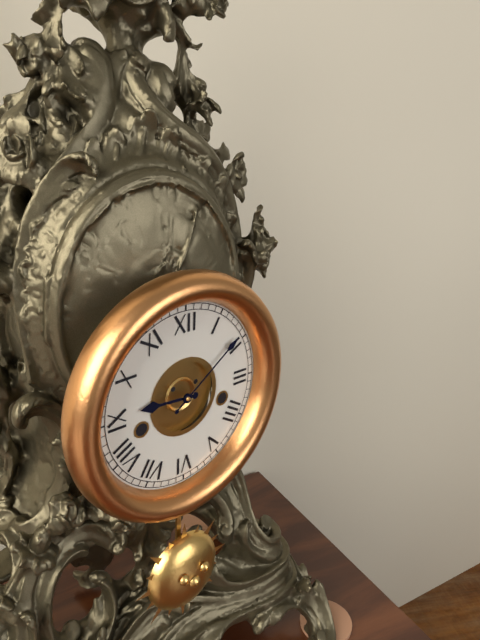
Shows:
9,09
